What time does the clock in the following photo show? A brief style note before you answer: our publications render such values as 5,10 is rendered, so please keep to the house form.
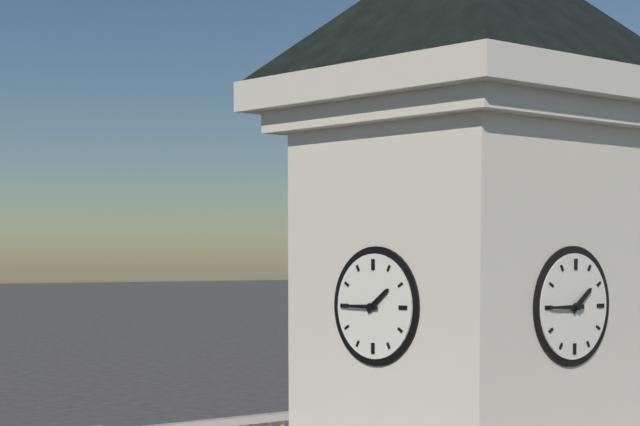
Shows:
1,45
